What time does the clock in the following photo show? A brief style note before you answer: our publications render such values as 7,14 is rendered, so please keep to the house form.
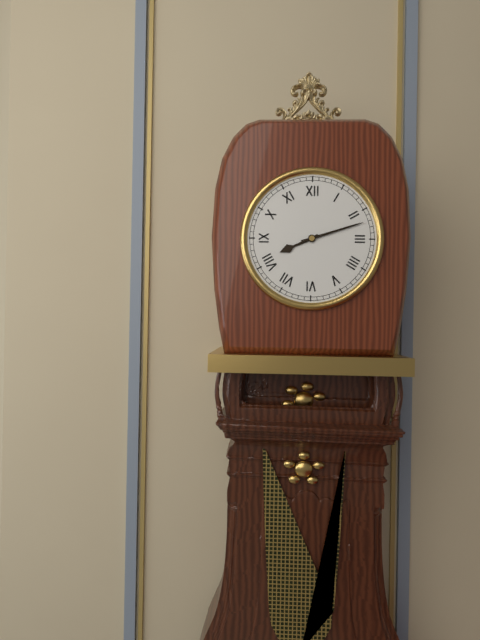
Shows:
8,12
